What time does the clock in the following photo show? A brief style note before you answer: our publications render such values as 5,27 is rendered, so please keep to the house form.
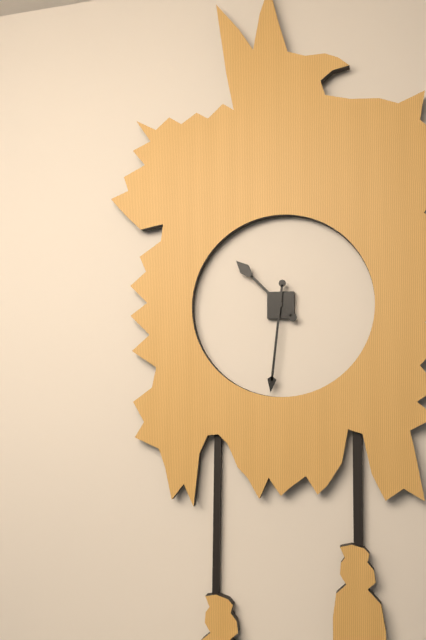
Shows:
10,31
